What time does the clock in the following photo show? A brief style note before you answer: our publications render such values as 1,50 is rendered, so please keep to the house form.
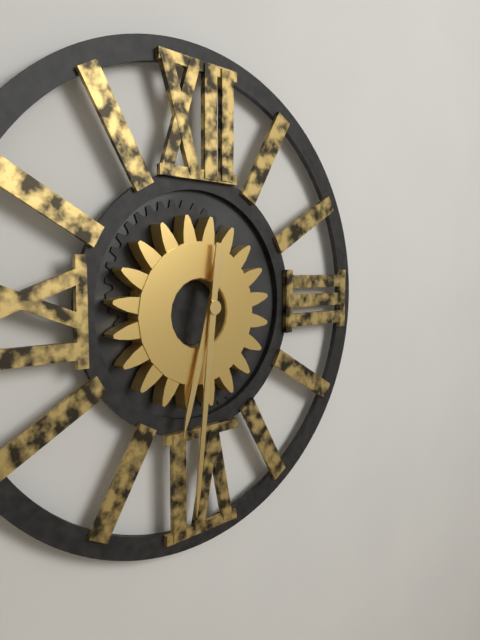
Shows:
6,31
